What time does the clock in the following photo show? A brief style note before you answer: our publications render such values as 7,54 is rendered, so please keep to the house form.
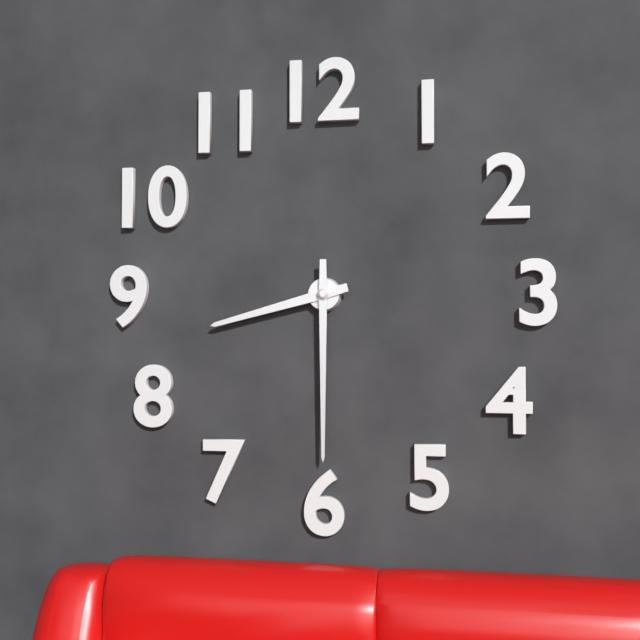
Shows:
8,30
